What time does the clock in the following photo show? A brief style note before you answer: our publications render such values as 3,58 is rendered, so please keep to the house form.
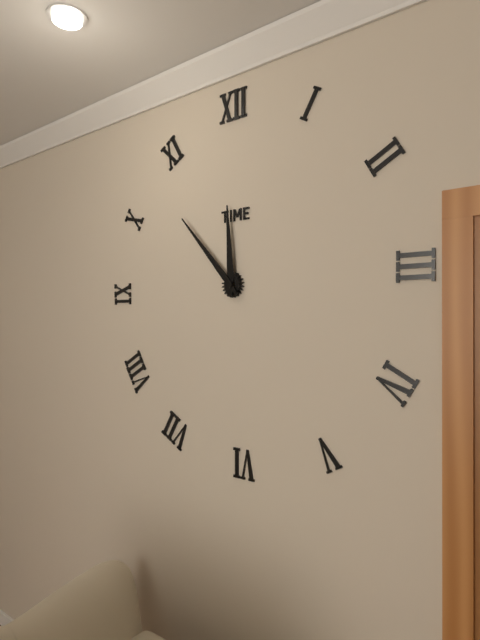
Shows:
11,53
